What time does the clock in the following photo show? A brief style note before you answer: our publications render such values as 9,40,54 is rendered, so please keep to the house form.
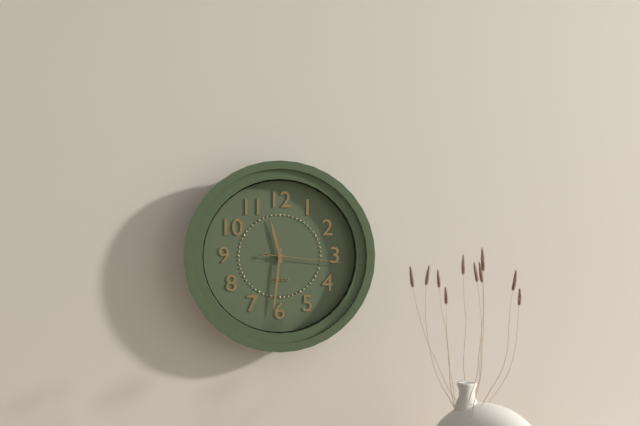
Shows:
11,31,16
